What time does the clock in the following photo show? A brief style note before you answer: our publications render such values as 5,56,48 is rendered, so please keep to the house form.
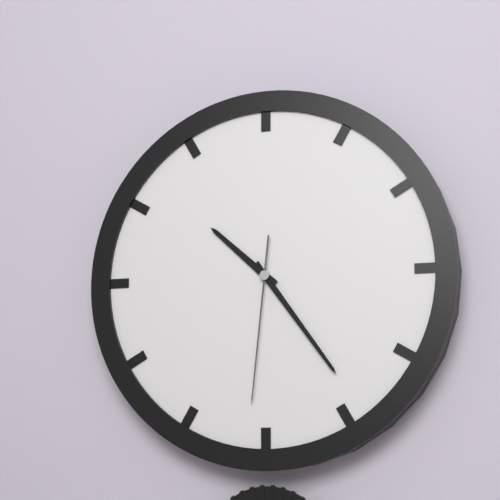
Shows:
10,24,31
